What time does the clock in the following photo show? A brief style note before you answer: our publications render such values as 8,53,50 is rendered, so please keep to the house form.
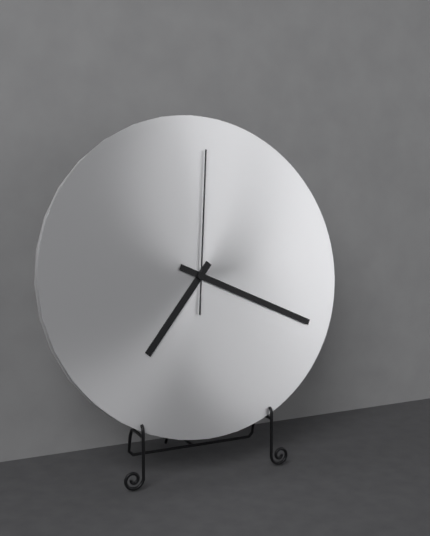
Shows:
7,19,01
